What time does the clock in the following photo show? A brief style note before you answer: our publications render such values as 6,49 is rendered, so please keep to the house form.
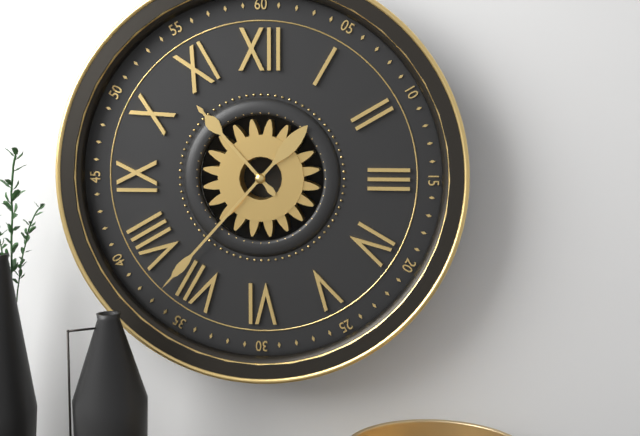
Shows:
10,37
